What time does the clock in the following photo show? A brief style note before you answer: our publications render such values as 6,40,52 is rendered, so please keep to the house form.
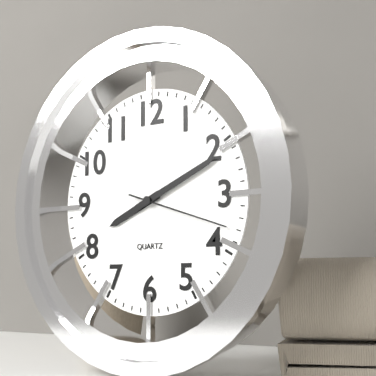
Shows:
8,11,18
